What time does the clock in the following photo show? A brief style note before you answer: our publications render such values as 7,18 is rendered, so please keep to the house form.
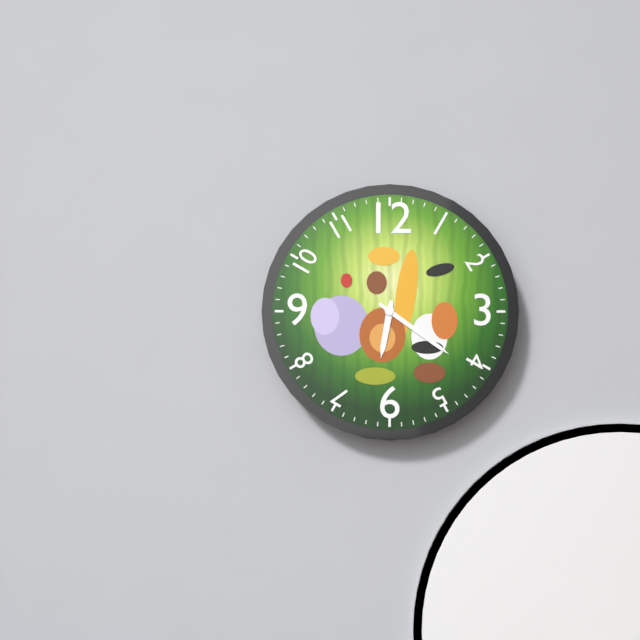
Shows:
6,21
